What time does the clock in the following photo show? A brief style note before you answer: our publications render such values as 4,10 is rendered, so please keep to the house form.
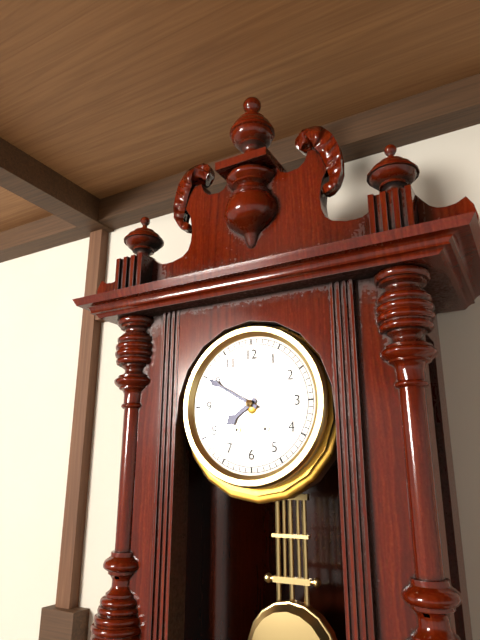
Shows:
7,50
